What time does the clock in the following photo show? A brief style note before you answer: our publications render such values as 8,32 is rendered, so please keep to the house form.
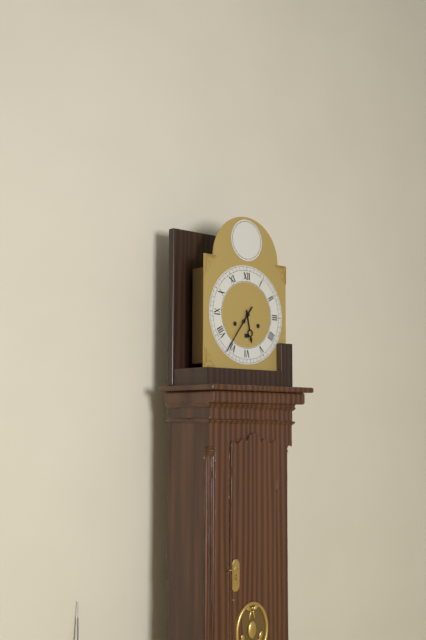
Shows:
5,36
